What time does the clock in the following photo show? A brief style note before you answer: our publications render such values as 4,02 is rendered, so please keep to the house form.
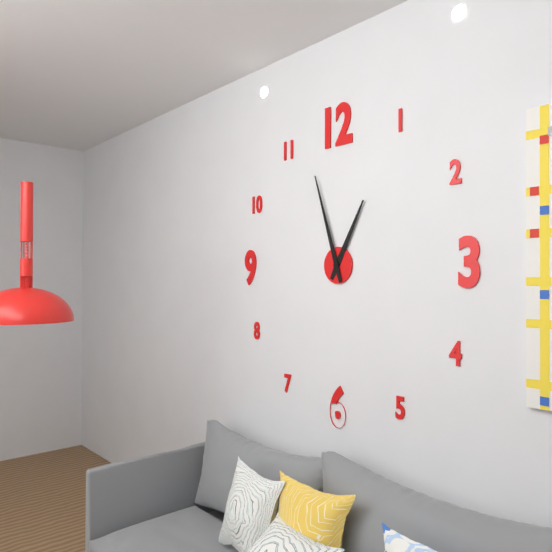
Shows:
12,57
